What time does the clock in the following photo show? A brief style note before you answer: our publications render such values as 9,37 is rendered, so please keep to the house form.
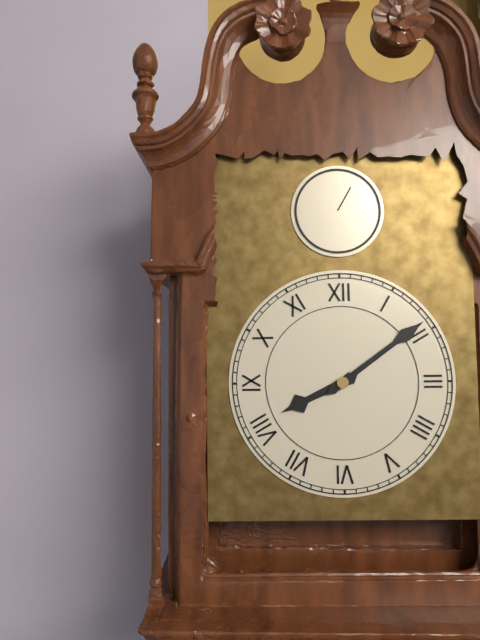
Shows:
8,09
